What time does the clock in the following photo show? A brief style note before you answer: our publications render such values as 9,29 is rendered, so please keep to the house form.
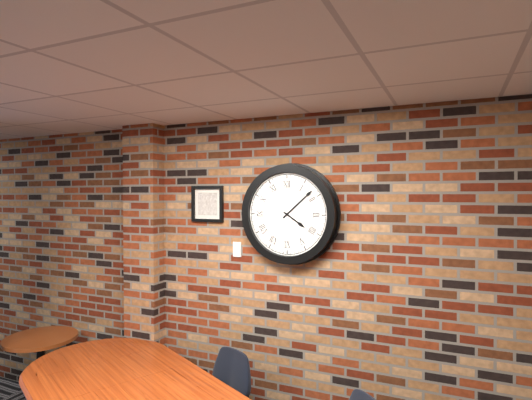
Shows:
4,08
